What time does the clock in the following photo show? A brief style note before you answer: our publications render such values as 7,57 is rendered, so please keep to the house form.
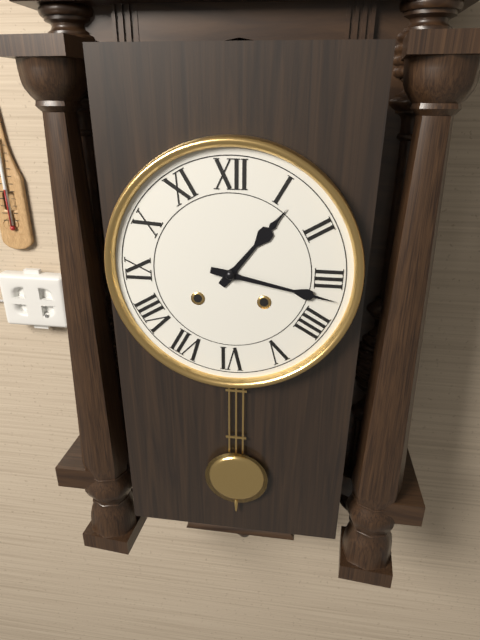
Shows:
1,17
